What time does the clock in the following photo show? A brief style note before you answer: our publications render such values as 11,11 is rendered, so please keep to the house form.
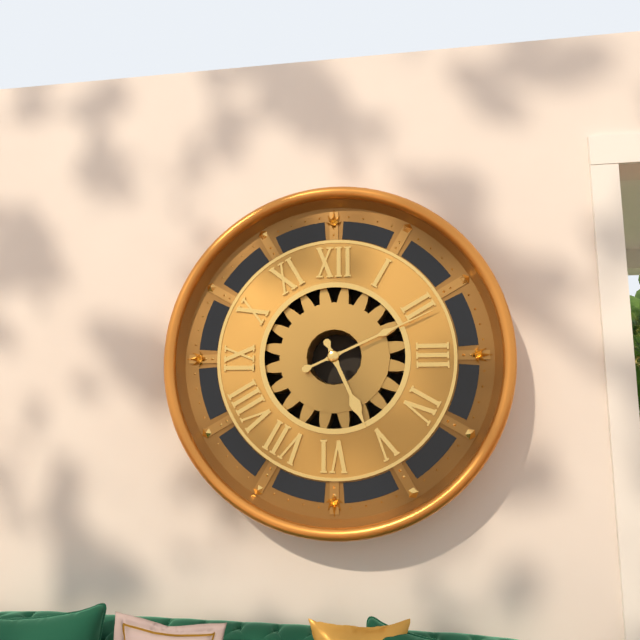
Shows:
5,11
